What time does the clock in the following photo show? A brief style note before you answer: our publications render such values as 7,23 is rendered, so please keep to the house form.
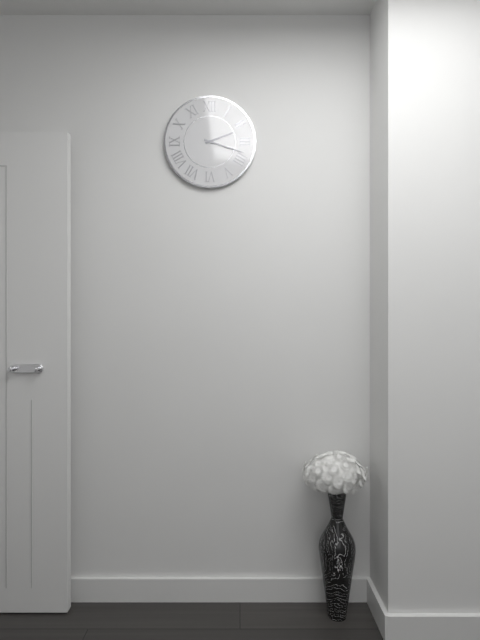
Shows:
2,18
